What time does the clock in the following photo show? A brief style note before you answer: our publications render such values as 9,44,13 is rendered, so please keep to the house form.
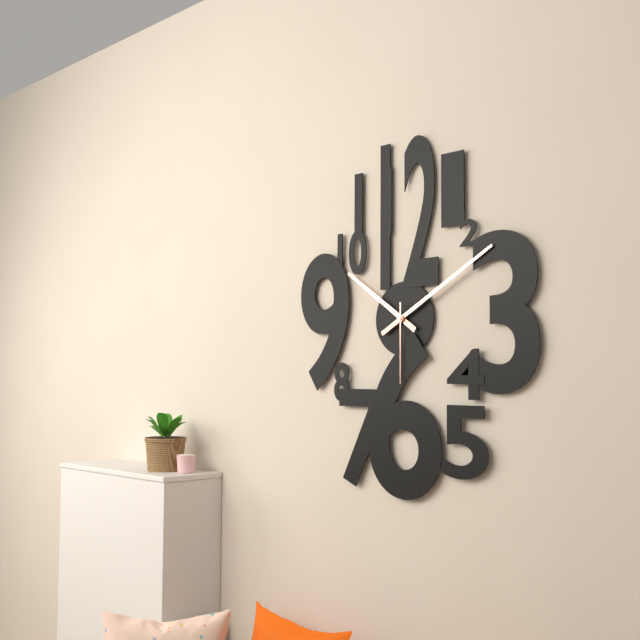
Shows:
10,10,30
